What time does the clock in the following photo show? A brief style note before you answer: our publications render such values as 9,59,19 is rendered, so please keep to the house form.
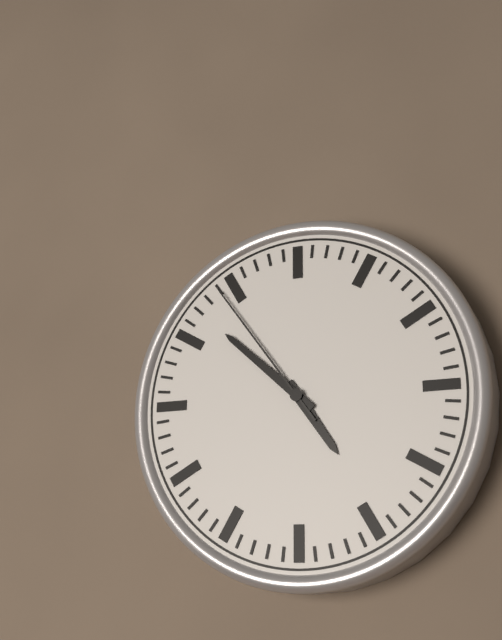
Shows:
4,52,54
